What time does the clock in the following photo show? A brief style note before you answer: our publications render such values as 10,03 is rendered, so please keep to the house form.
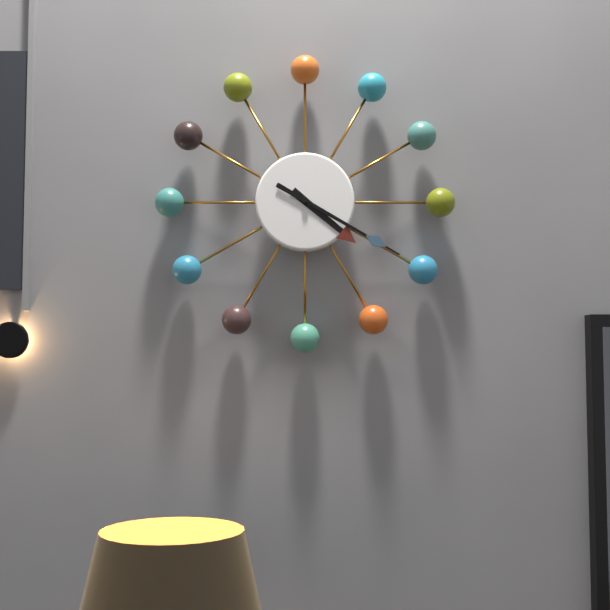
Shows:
4,20
